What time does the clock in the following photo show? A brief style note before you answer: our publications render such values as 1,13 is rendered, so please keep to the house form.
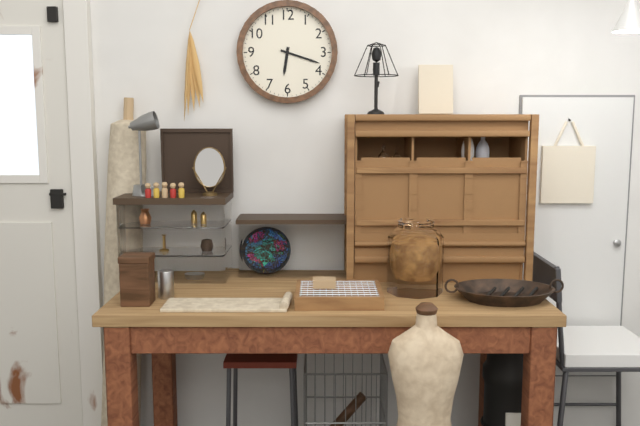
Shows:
6,18
